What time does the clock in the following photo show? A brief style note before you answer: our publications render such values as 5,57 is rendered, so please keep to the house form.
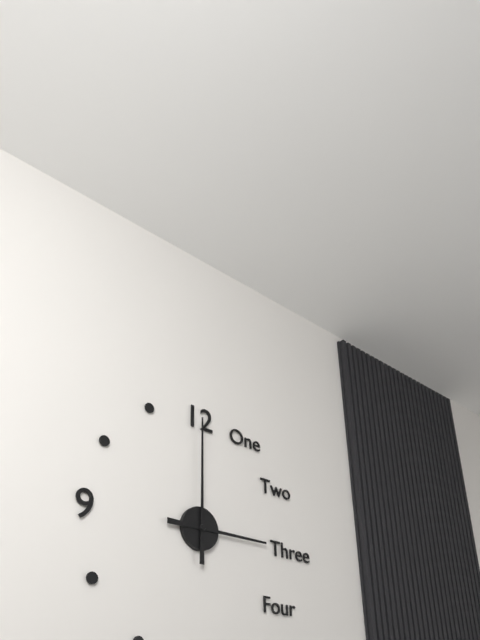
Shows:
3,00
